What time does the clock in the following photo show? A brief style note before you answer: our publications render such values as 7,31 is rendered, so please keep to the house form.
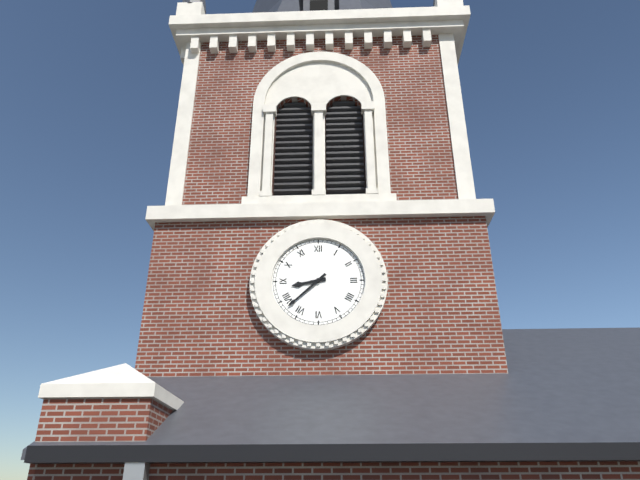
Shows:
8,38
